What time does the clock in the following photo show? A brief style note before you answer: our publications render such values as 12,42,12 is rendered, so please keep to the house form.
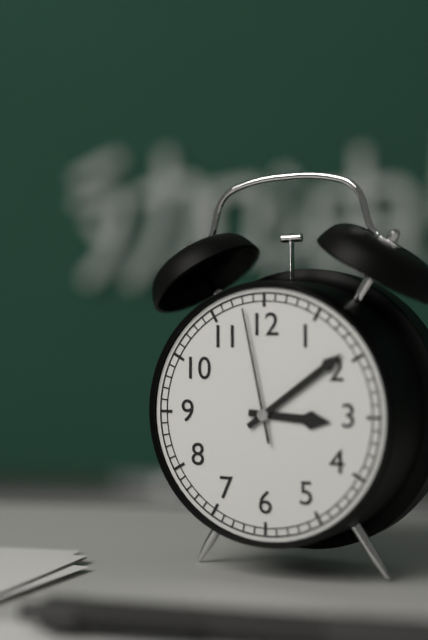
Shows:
3,09,58
